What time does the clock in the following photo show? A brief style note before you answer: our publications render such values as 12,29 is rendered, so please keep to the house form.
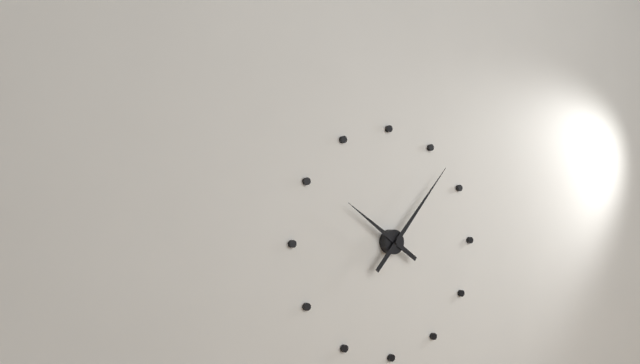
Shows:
10,07
